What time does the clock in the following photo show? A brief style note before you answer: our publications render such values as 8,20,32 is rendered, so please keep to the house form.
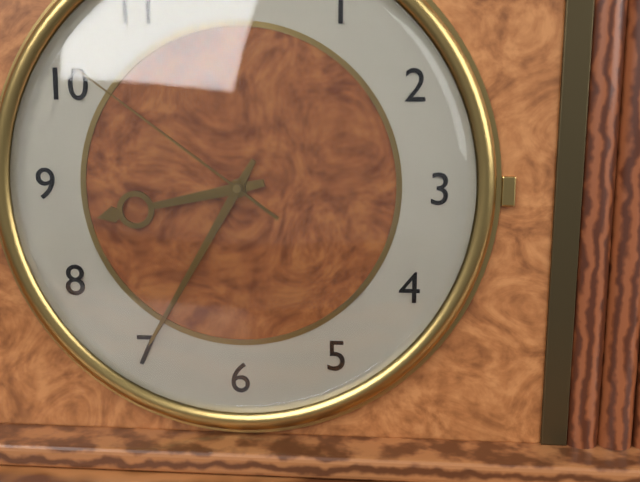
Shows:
8,35,51
